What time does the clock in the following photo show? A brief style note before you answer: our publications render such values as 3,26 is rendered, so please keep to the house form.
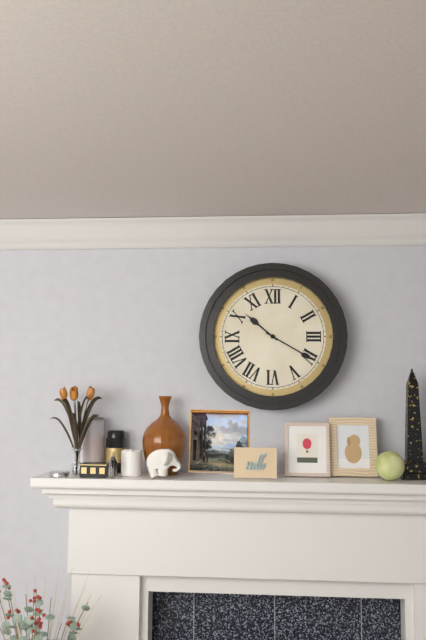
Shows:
10,20
